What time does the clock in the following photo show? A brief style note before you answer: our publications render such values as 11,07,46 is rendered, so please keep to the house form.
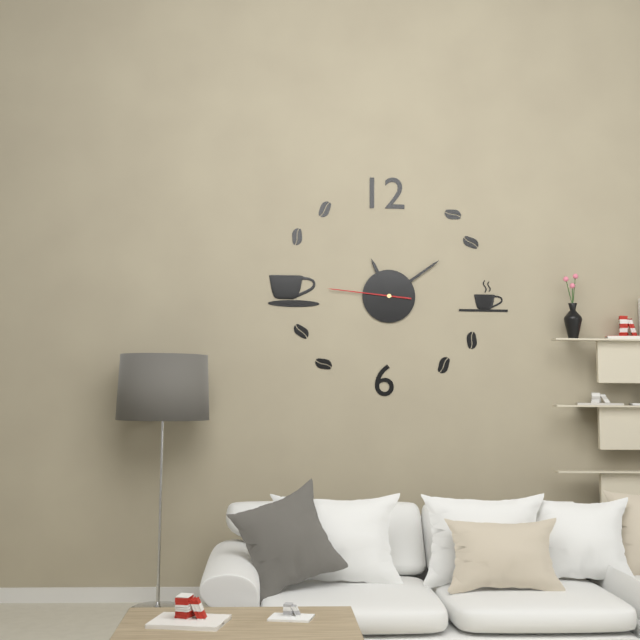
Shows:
11,09,46
